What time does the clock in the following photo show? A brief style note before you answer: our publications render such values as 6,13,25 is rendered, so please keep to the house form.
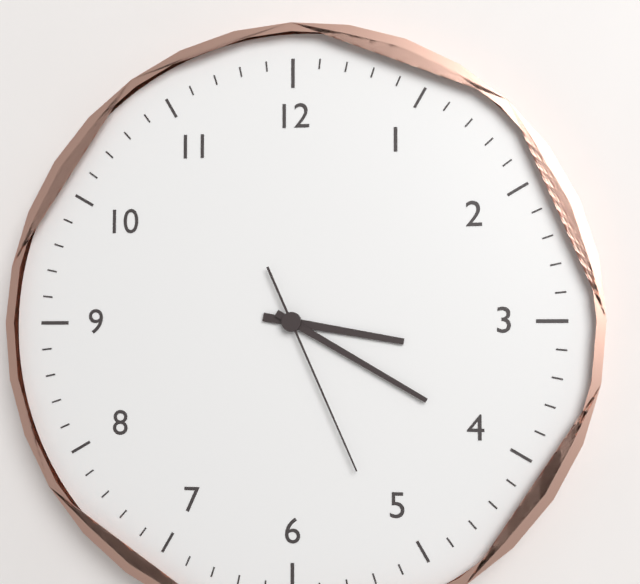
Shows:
3,20,26
